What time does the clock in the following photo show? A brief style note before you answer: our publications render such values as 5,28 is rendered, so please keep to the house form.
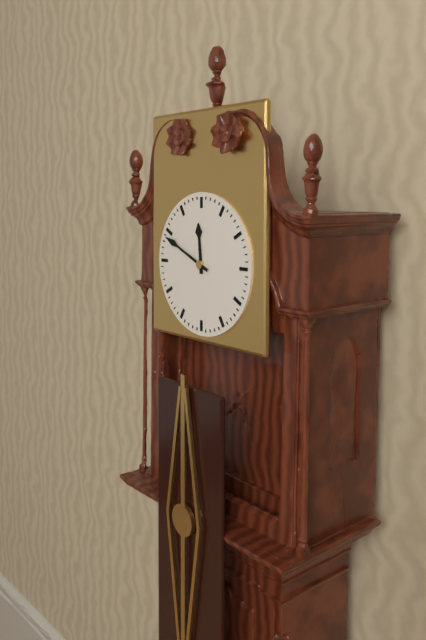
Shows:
11,49
